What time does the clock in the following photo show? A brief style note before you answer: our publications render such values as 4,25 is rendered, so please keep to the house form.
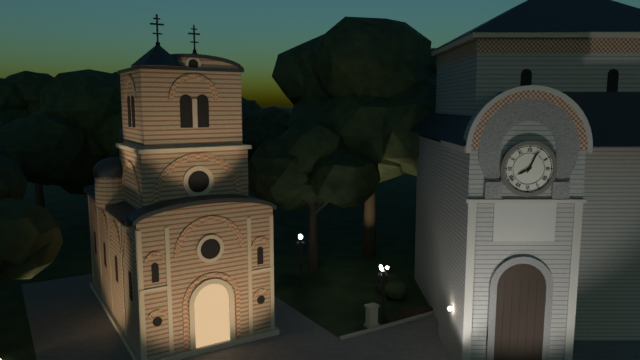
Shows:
8,04
